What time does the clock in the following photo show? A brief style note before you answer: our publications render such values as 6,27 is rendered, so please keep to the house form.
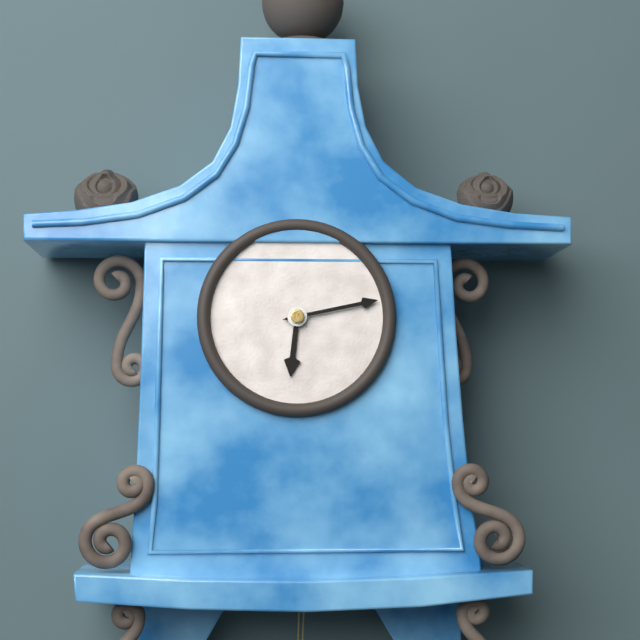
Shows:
6,13
